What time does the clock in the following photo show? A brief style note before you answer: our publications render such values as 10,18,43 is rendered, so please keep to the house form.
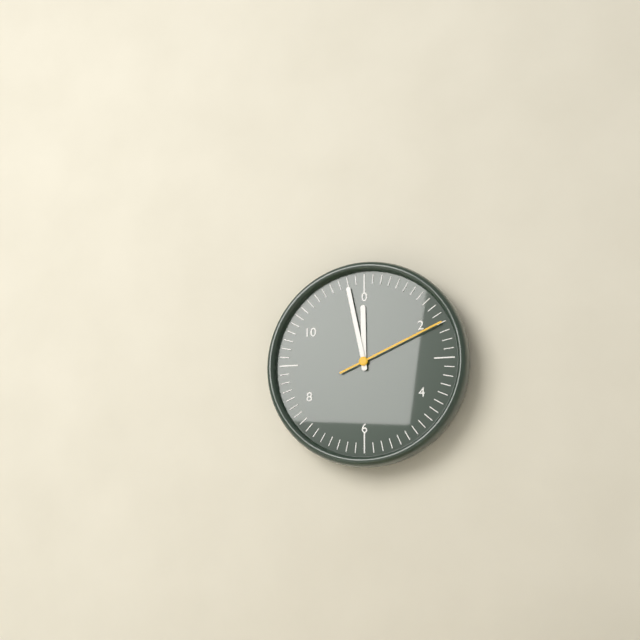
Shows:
11,58,11
